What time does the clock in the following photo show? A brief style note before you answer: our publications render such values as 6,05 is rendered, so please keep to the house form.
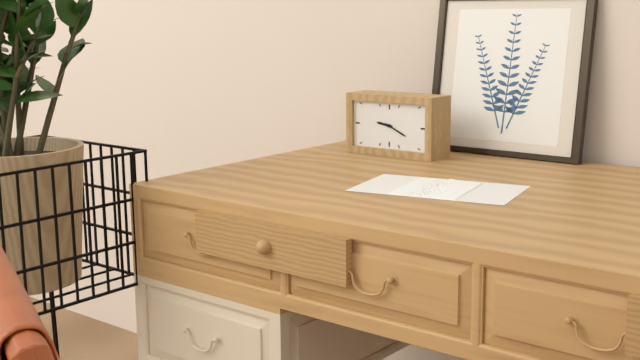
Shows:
9,19
